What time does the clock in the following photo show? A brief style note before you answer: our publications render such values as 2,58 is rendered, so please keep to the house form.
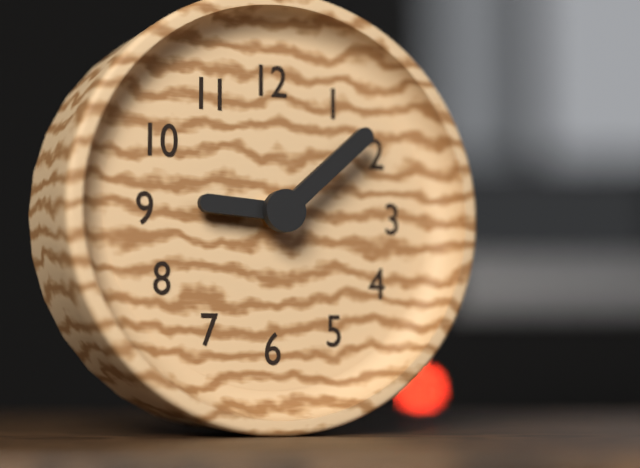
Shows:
9,08
